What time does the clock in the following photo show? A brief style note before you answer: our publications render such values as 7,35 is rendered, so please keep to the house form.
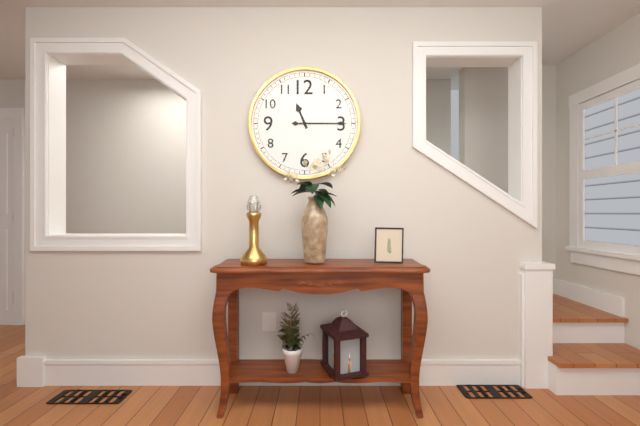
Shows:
11,15
